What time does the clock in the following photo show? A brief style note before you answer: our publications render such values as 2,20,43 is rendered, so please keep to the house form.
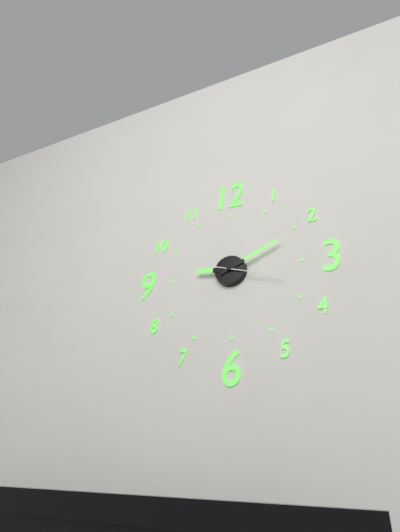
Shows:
9,11,18
